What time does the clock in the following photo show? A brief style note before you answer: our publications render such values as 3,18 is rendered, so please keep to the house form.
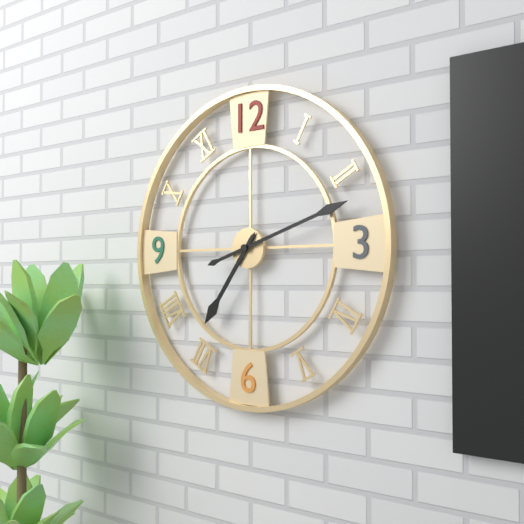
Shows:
7,12
